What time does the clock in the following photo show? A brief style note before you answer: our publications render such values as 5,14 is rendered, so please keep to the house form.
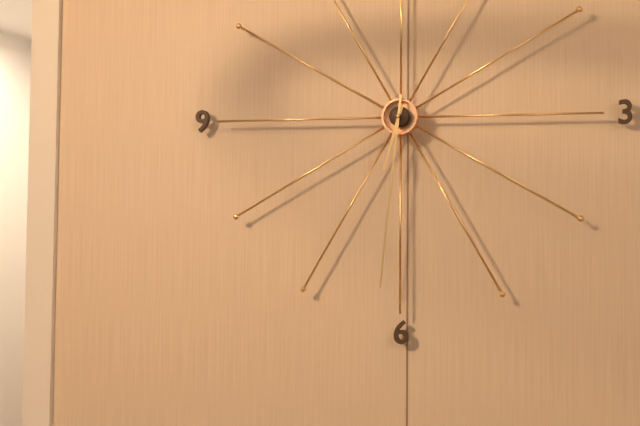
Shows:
6,31
